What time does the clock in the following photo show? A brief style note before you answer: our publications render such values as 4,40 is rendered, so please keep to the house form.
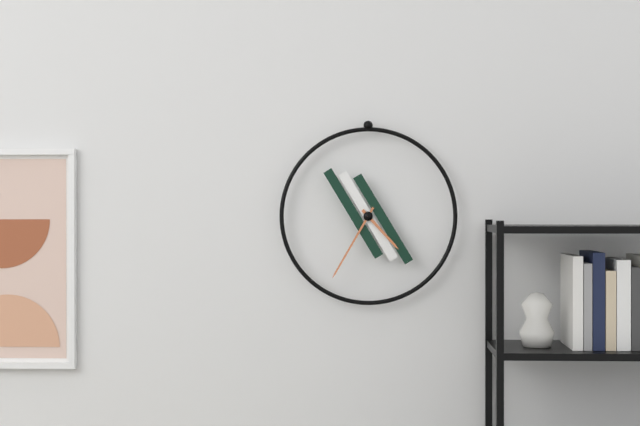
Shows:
4,35
